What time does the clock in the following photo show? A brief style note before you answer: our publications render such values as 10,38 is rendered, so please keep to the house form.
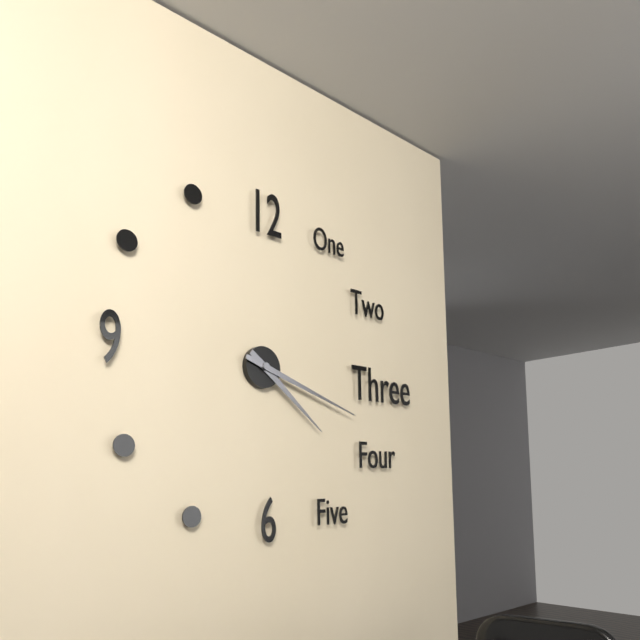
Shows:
4,18
